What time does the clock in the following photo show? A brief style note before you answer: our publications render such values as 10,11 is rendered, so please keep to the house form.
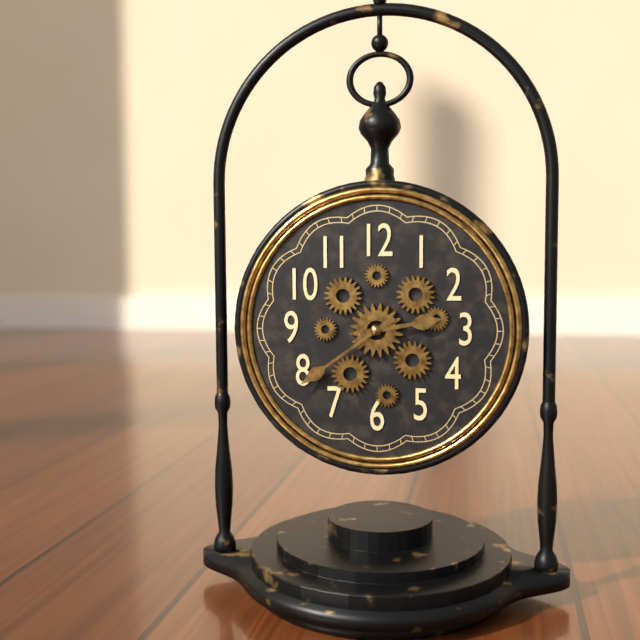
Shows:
2,39
